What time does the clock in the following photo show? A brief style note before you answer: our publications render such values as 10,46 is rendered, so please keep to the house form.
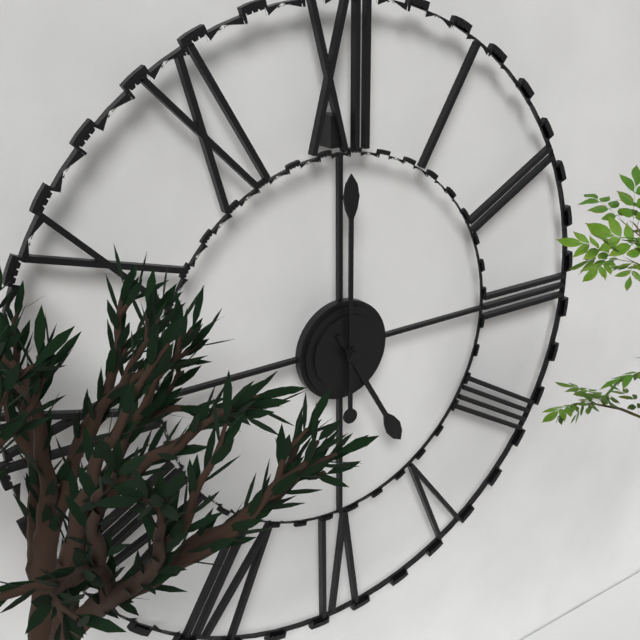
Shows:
5,00
